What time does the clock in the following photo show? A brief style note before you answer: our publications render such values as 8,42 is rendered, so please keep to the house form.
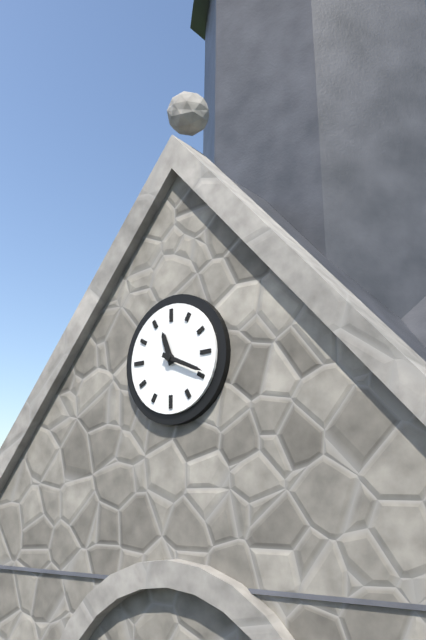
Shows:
11,19
